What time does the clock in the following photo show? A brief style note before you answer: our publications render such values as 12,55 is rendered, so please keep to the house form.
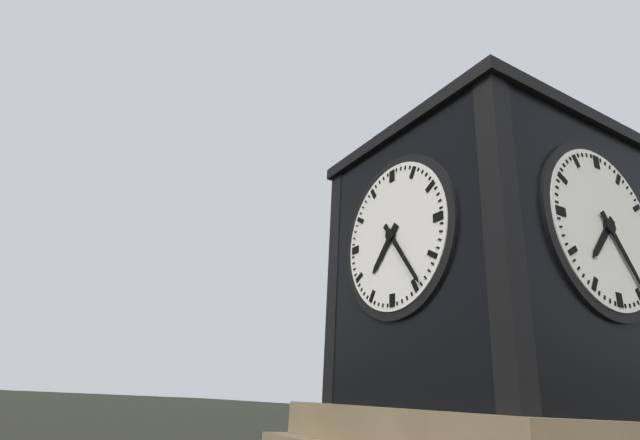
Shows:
7,24
